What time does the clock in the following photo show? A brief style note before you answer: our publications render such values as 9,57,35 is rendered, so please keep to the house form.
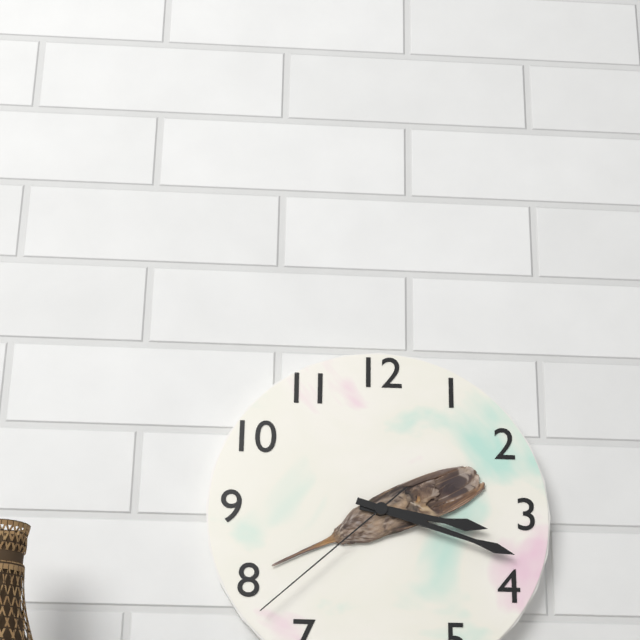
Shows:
3,18,38
